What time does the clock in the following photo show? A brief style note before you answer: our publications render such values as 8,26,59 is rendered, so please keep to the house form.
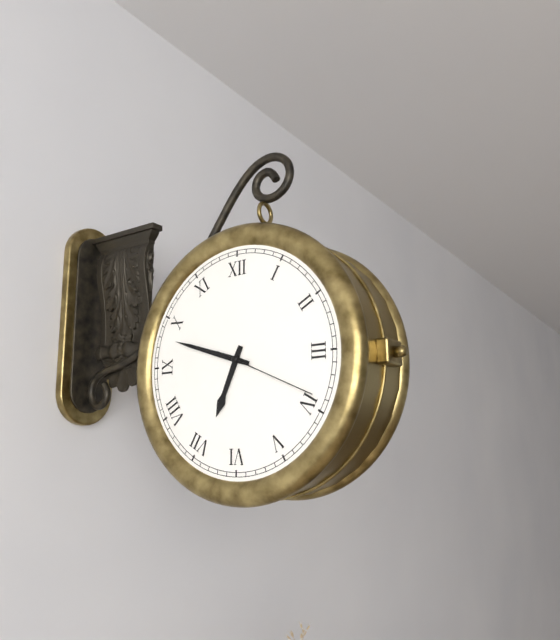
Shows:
6,48,19
